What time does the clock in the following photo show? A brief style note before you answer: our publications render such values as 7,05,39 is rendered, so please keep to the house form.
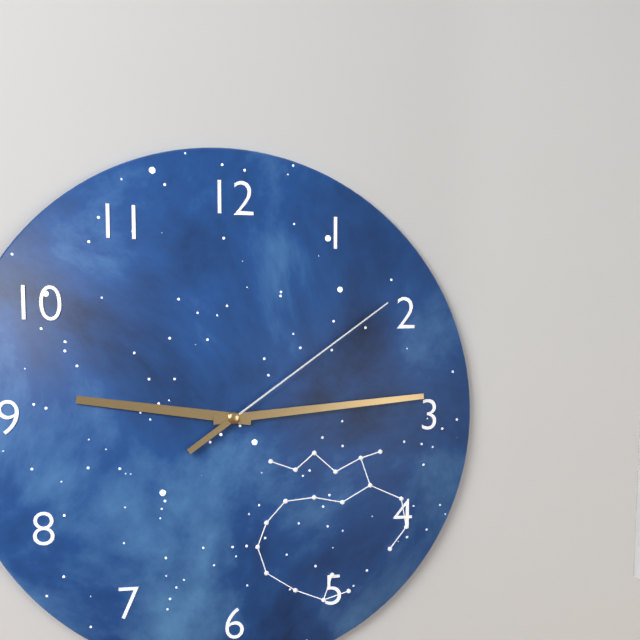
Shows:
9,14,09
